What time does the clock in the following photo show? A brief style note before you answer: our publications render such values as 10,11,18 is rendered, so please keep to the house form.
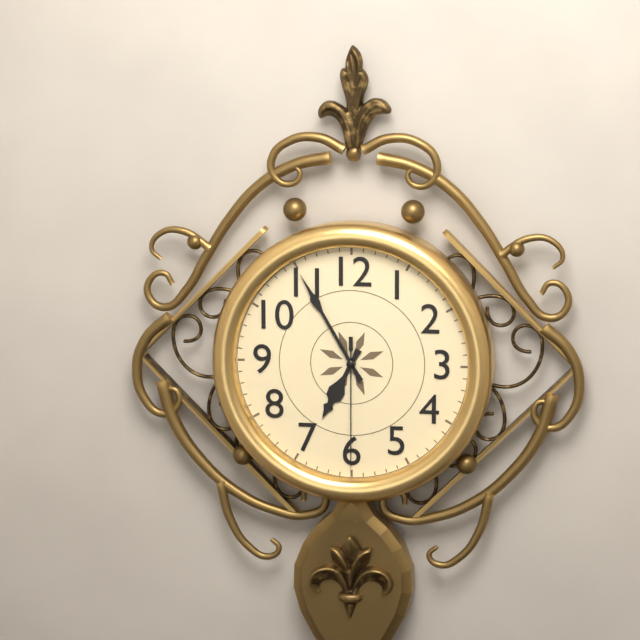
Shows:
6,55,30
